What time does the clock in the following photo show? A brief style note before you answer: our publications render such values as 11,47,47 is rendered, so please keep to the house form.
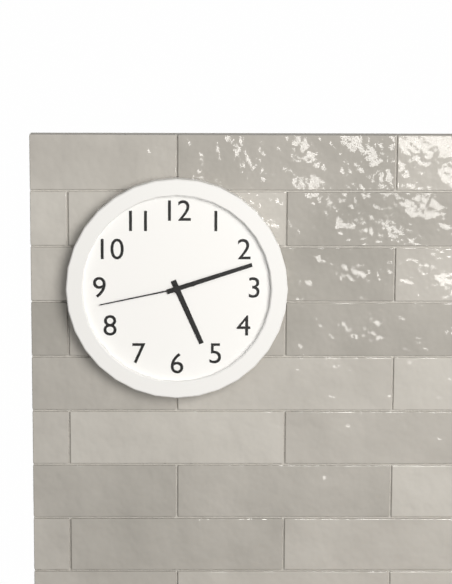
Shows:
5,12,43
